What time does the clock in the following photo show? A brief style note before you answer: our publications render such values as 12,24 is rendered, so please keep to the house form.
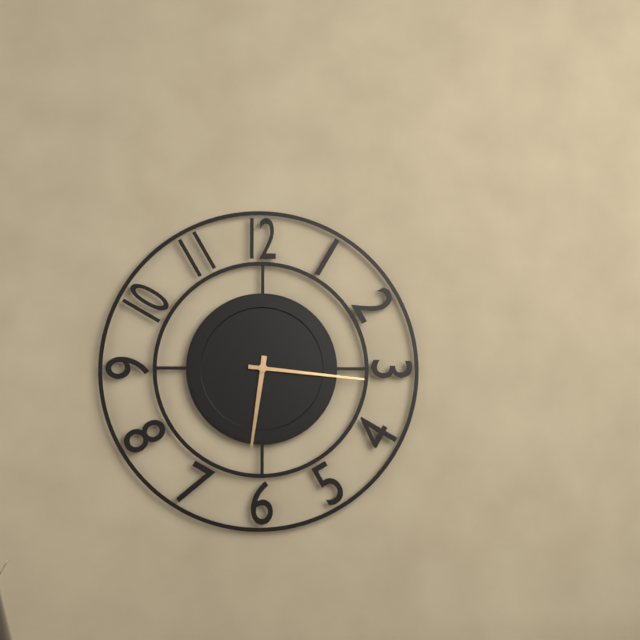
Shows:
6,16
